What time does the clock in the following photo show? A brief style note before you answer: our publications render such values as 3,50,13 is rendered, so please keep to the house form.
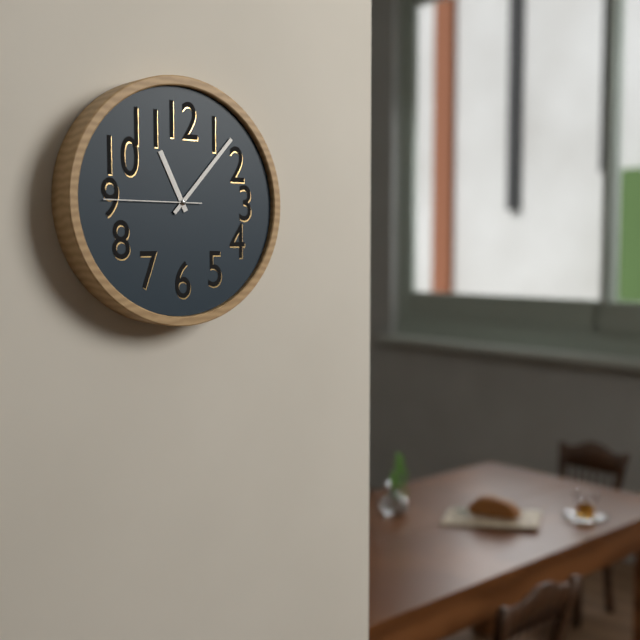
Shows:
11,07,45
